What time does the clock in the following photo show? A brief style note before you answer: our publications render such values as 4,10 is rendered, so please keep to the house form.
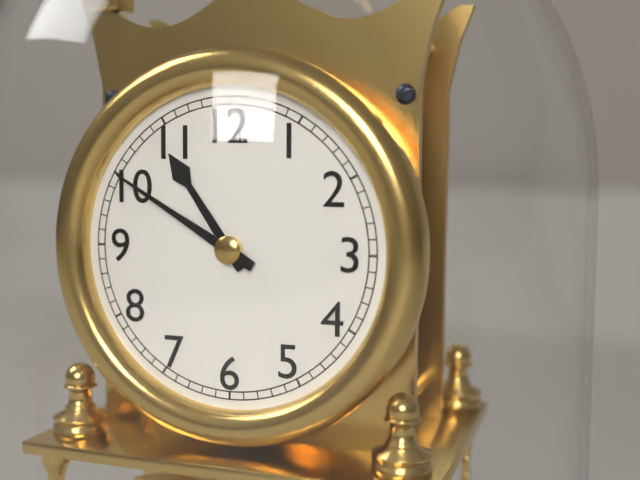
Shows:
10,50
